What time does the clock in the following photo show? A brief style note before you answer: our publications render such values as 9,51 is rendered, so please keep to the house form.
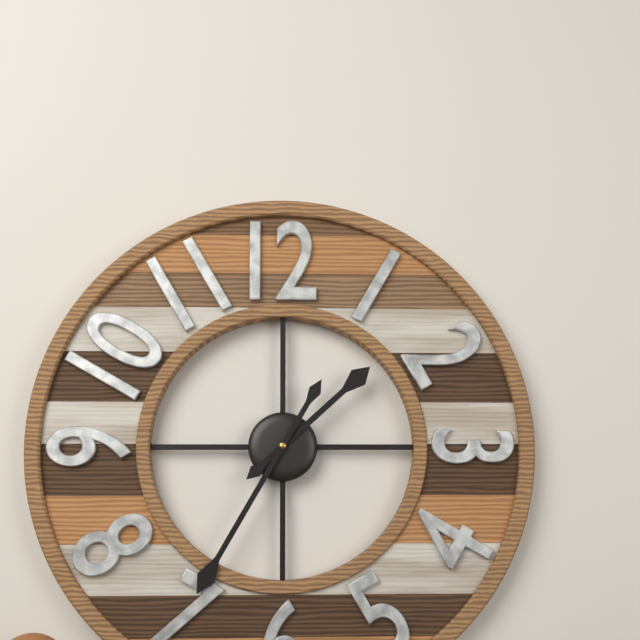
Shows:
1,35
